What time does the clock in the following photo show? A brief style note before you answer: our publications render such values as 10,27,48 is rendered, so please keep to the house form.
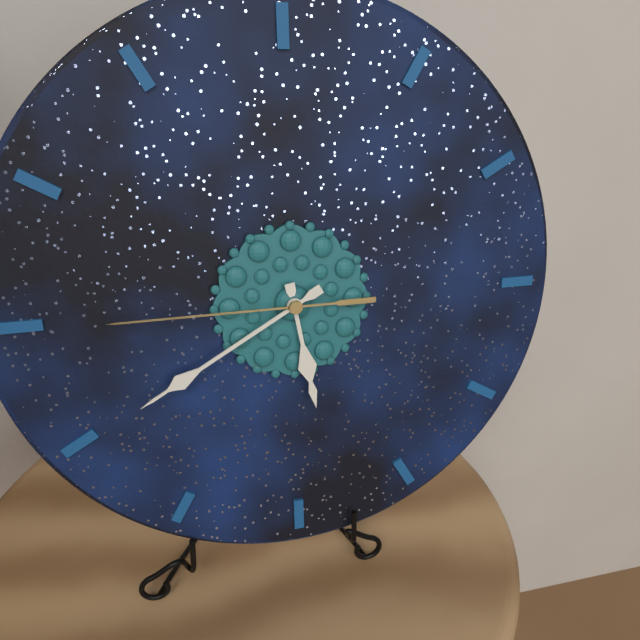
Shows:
5,40,45
